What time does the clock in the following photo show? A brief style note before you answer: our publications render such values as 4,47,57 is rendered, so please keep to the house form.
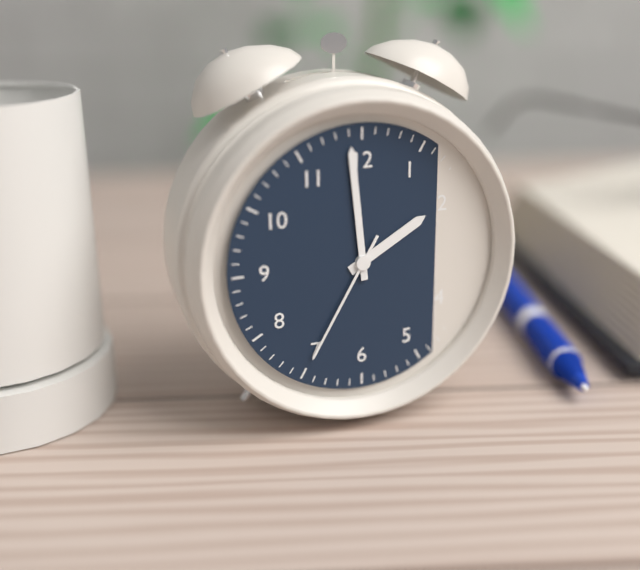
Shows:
1,59,35
